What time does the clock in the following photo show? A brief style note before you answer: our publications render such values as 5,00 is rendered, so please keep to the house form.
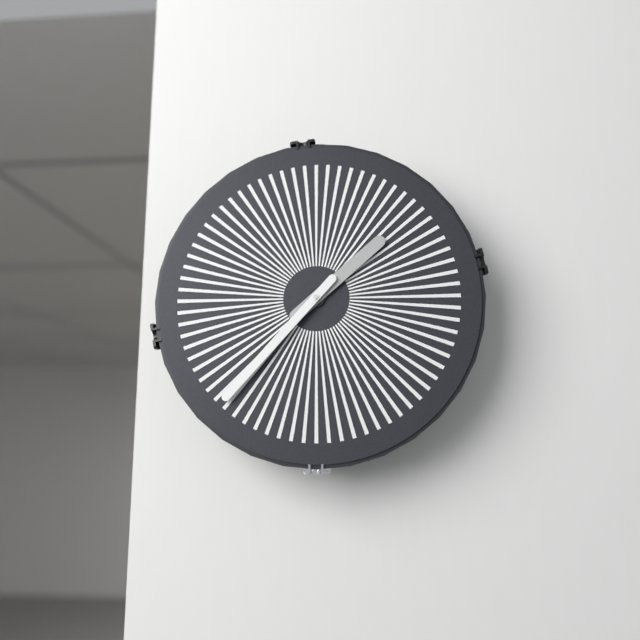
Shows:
1,37
